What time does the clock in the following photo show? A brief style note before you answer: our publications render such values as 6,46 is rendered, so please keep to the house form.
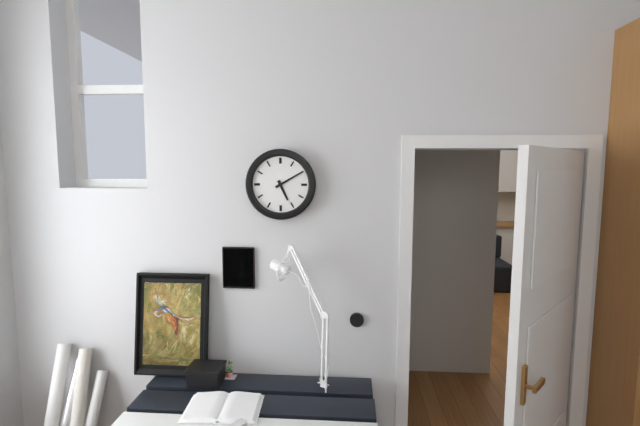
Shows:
5,10
